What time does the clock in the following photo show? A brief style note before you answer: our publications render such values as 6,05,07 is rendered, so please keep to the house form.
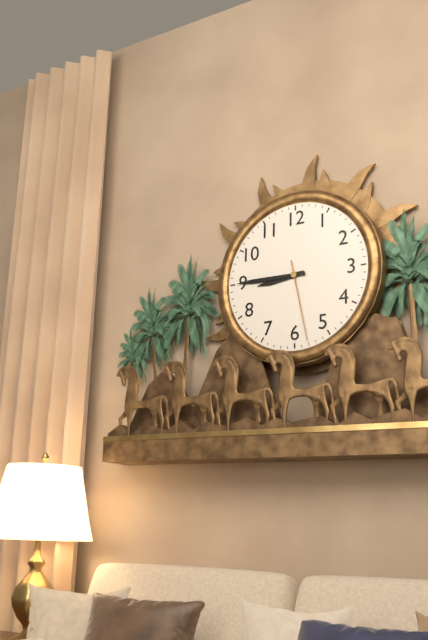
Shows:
8,45,28
